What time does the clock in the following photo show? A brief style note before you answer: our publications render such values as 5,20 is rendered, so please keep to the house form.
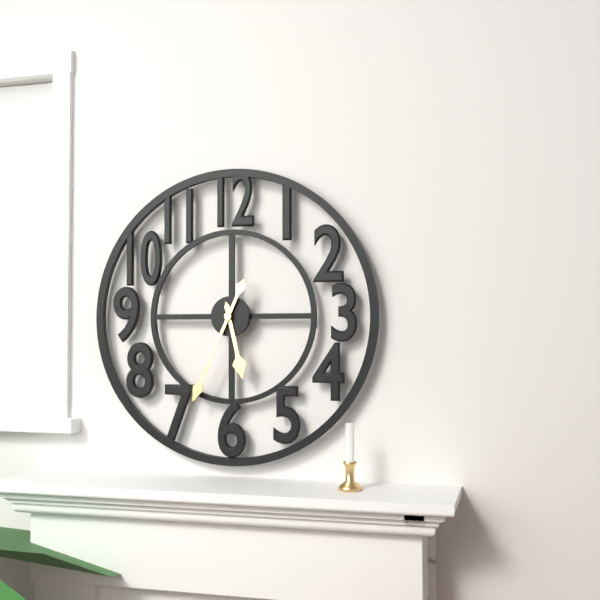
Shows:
5,34
